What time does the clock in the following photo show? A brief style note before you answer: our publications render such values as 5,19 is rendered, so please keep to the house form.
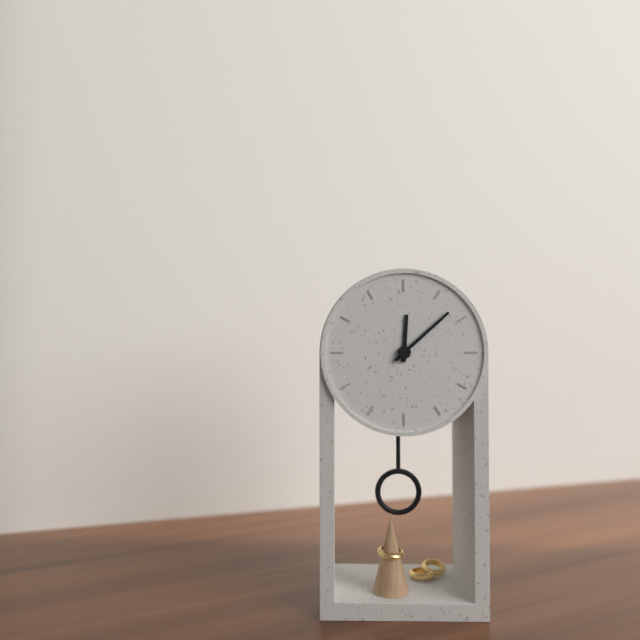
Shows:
12,08
